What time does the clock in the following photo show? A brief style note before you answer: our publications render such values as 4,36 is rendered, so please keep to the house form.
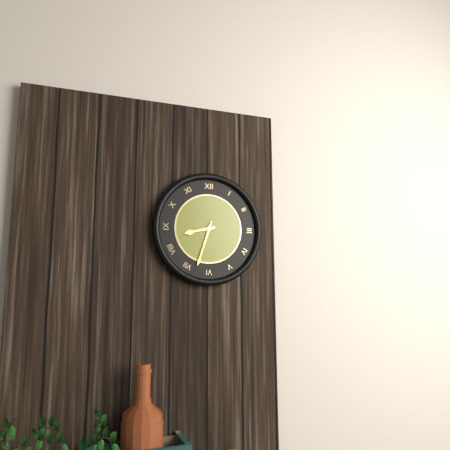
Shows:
8,33
